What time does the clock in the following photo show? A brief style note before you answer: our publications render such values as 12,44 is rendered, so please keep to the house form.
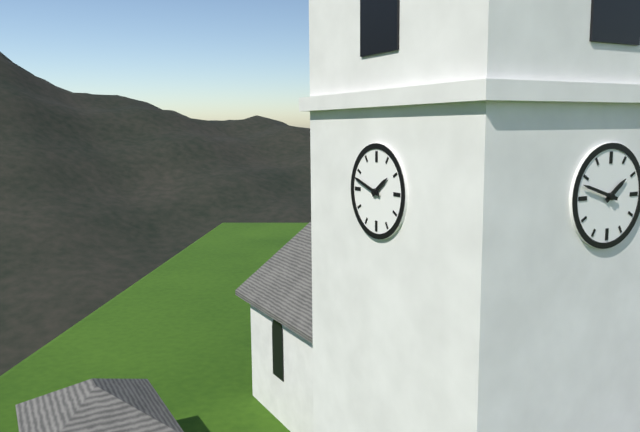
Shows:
1,48
